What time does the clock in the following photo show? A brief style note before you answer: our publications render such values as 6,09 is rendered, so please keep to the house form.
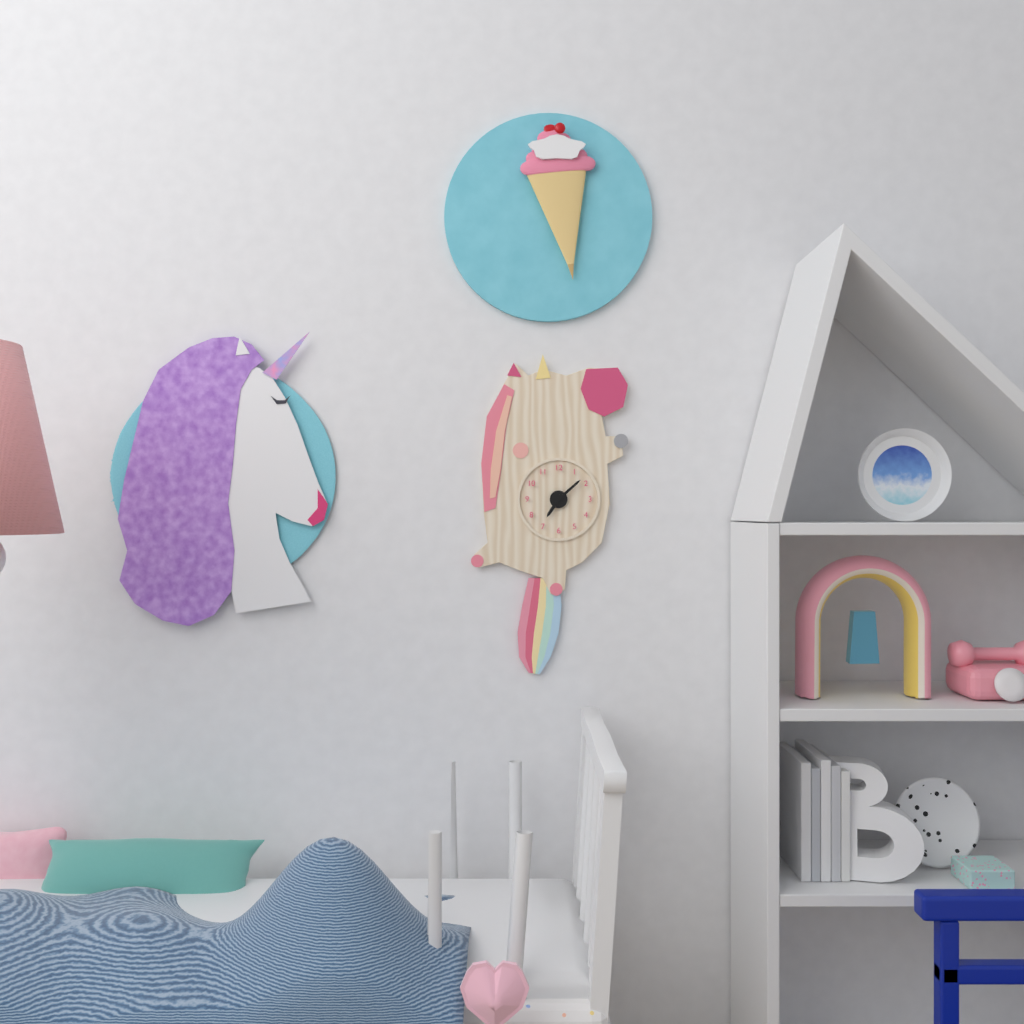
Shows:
7,08
